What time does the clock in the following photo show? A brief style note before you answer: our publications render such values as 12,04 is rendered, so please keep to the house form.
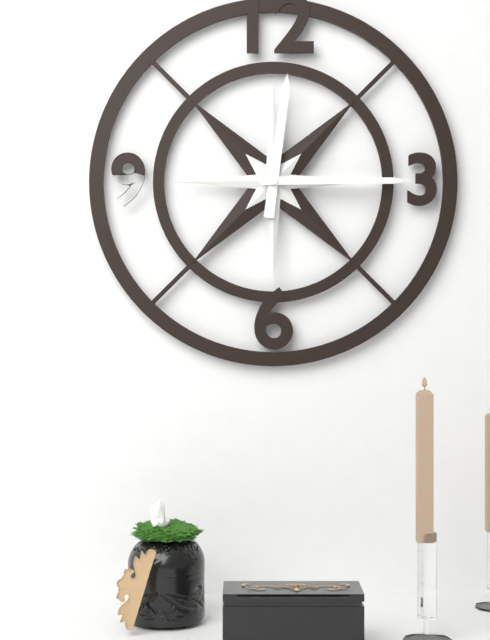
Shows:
12,15
